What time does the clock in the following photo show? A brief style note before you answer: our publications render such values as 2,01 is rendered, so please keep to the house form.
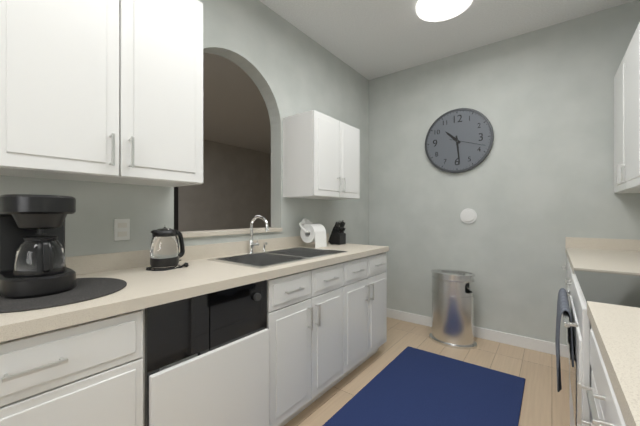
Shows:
10,29
